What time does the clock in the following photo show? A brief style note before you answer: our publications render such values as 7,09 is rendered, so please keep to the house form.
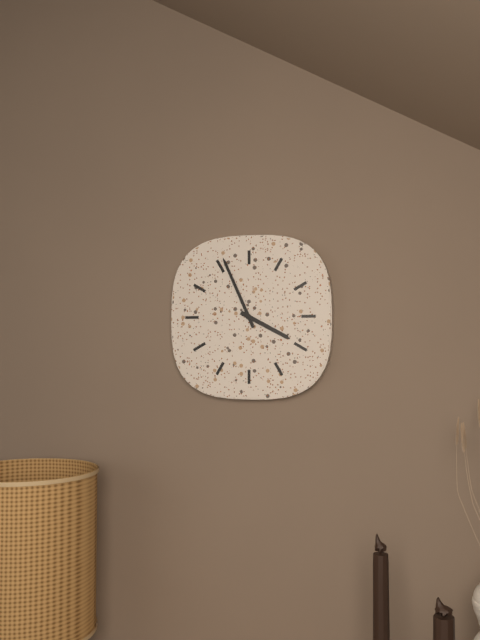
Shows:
3,56
